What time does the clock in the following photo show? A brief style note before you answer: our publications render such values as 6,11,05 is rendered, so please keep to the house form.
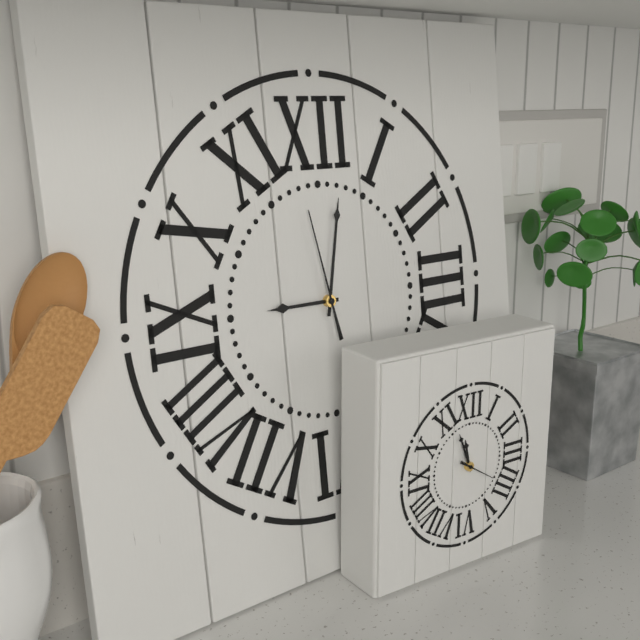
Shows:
9,02,58
